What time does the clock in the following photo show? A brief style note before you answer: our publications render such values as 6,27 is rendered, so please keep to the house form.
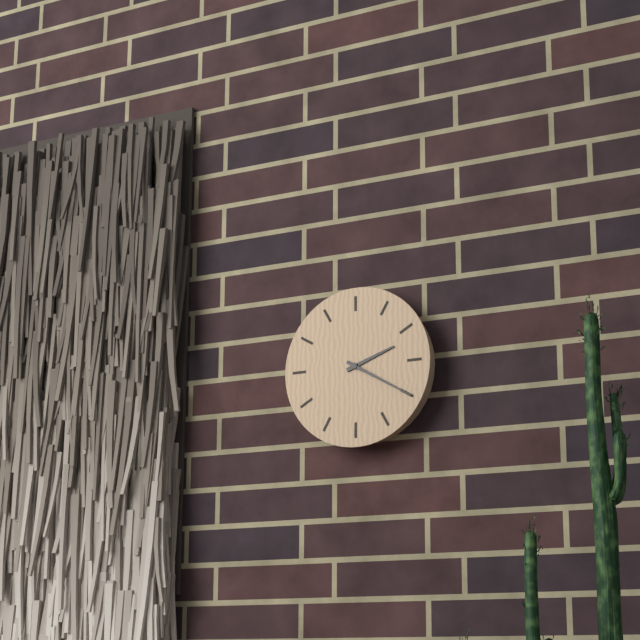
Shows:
2,20
